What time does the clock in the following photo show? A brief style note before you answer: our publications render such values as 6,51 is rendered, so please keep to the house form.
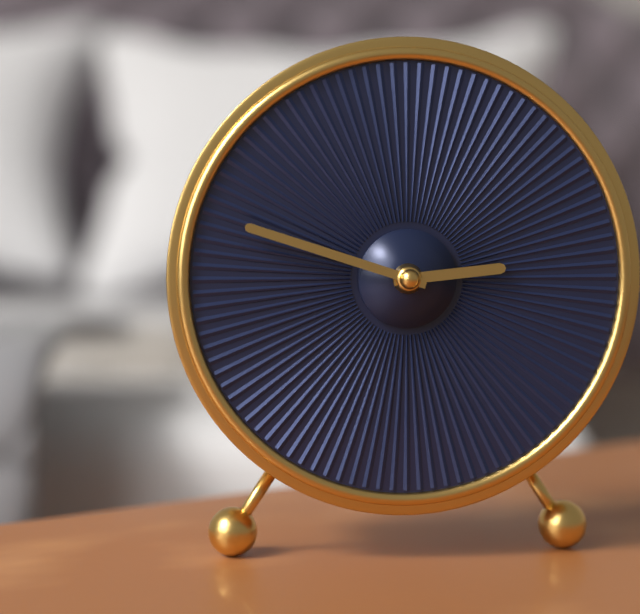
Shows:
2,48
